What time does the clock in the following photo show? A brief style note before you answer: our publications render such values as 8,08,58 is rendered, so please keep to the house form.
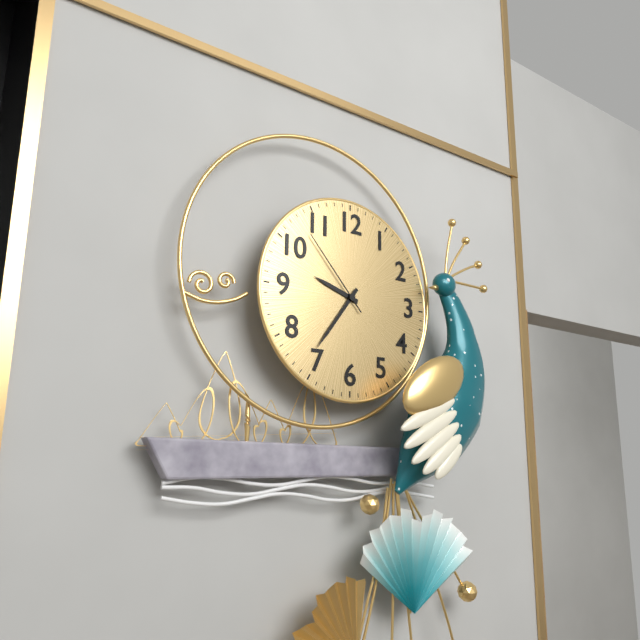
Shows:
9,36,53
